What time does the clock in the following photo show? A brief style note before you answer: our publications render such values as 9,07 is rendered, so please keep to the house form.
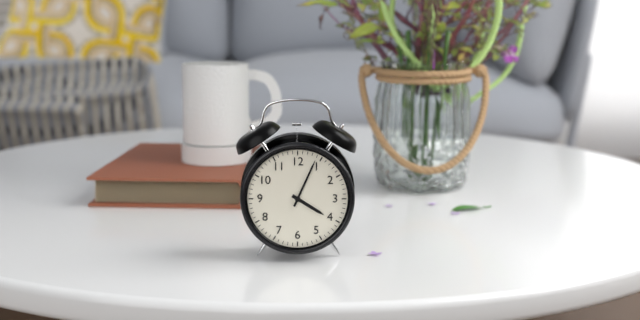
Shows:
4,04
